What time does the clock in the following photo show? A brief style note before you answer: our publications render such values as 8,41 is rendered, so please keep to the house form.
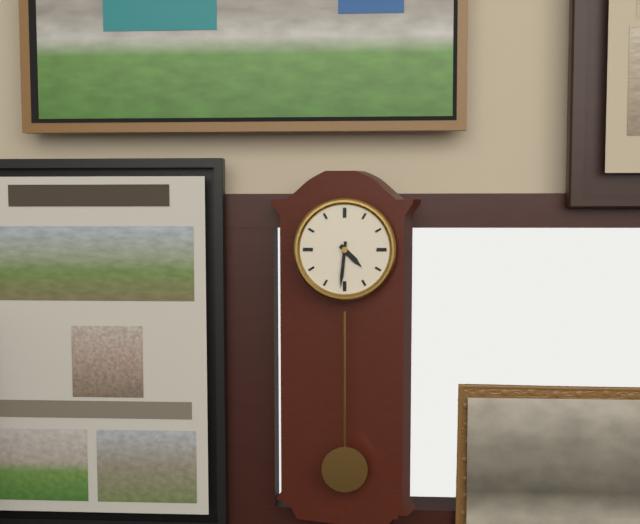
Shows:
4,31
